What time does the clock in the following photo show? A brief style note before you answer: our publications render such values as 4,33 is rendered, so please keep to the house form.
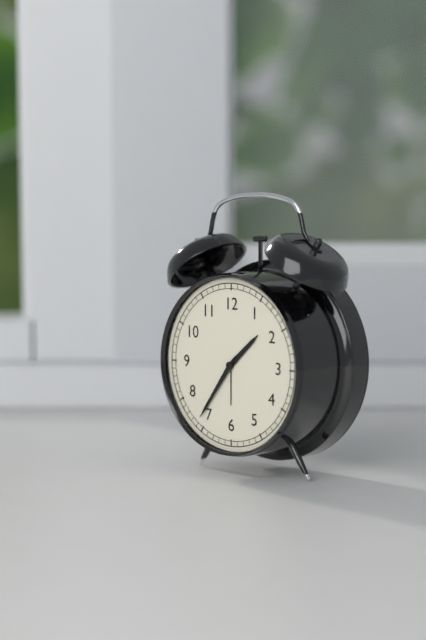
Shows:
1,36
